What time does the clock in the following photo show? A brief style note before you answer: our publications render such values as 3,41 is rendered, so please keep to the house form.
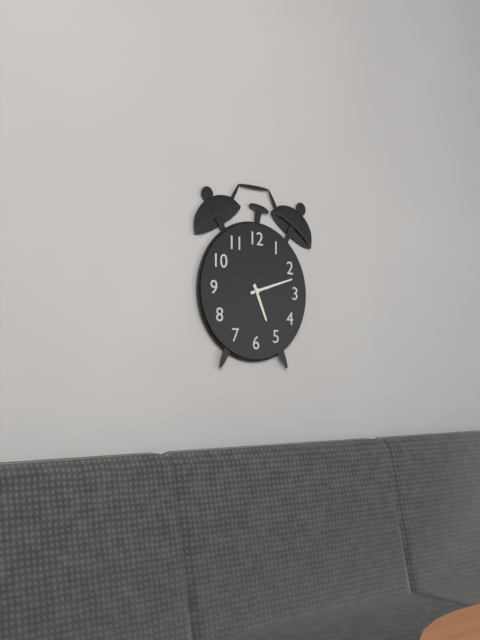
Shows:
5,12
